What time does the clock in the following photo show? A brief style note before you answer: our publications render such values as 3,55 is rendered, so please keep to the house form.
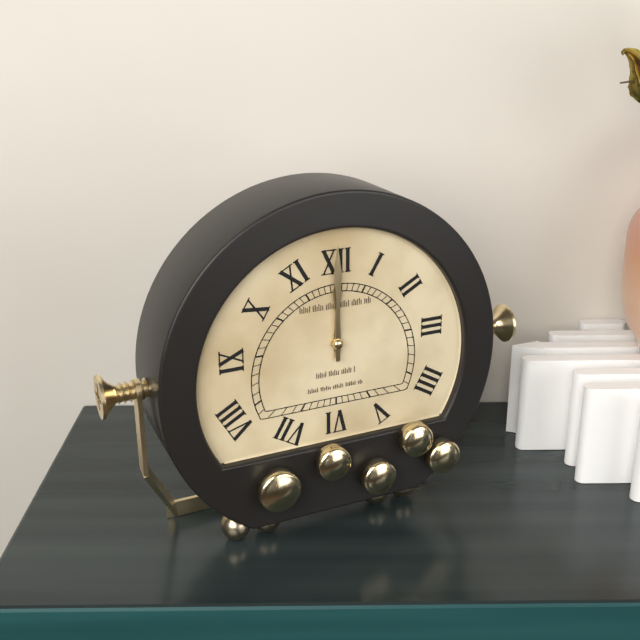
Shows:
12,00
